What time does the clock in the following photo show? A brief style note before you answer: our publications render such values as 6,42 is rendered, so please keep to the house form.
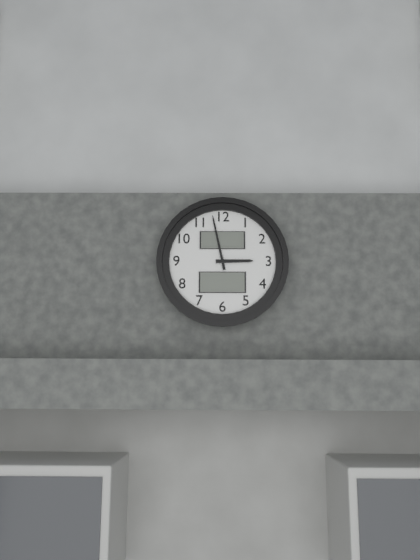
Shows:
2,58
